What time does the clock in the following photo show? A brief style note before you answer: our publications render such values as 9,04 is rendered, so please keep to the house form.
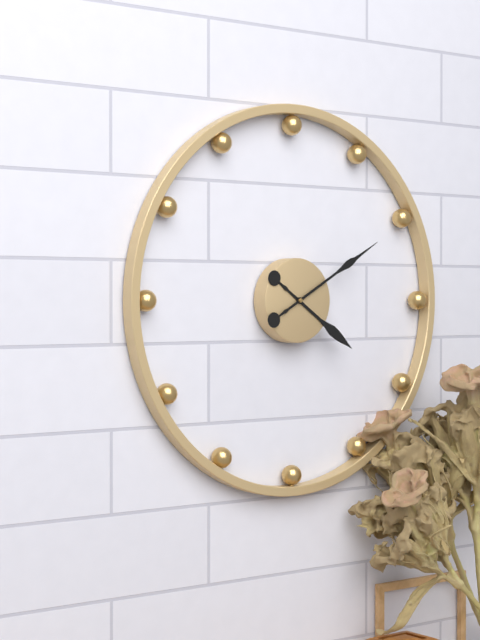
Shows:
4,10
